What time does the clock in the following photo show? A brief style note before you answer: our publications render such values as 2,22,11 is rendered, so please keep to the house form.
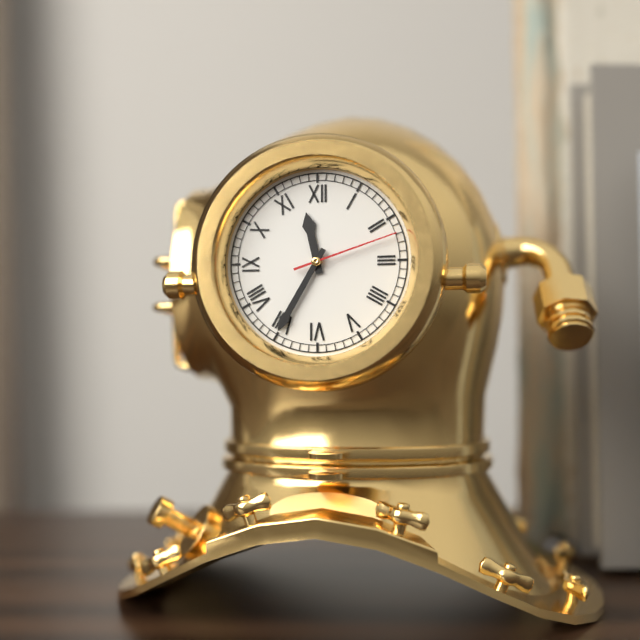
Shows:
11,35,12
